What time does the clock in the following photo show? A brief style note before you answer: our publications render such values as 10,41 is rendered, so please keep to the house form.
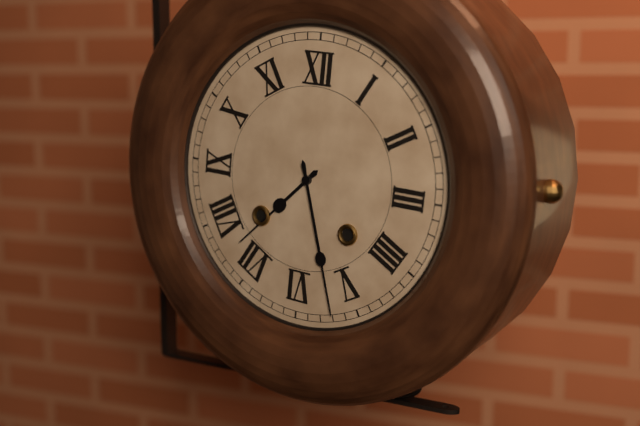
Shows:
7,27
